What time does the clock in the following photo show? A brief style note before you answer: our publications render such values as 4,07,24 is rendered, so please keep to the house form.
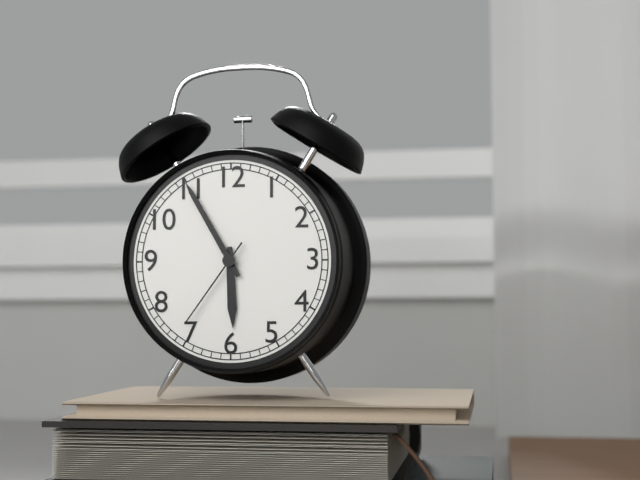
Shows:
5,55,36
